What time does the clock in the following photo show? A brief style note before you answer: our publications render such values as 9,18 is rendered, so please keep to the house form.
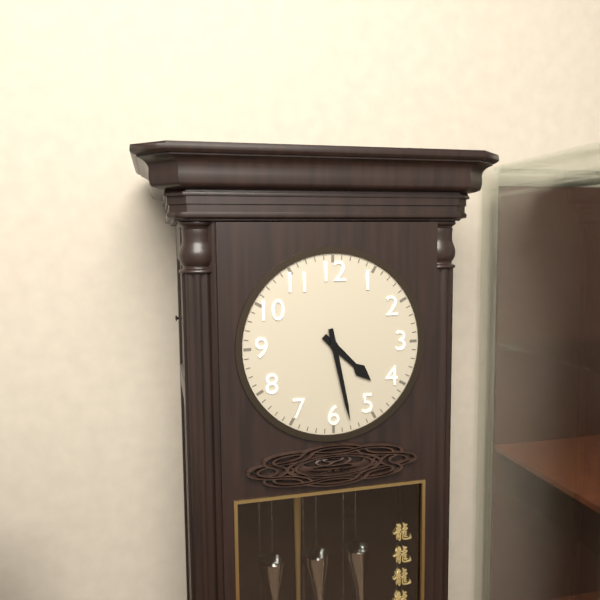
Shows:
4,28
